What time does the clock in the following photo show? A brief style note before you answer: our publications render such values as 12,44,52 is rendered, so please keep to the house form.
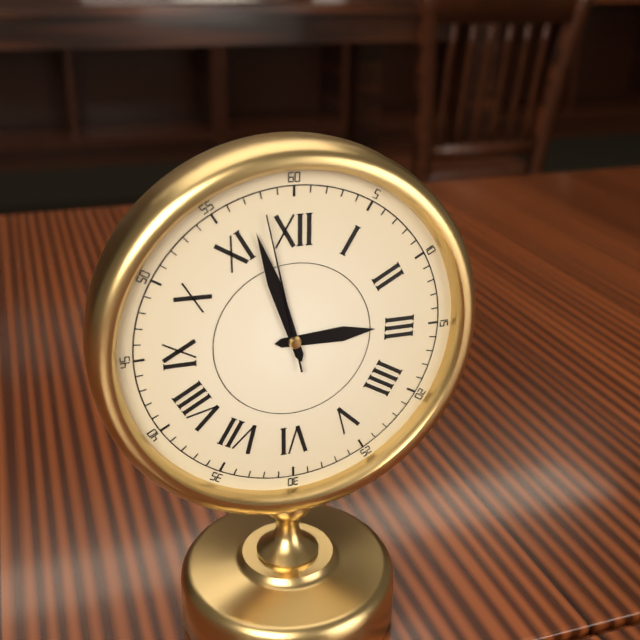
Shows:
2,57,58
